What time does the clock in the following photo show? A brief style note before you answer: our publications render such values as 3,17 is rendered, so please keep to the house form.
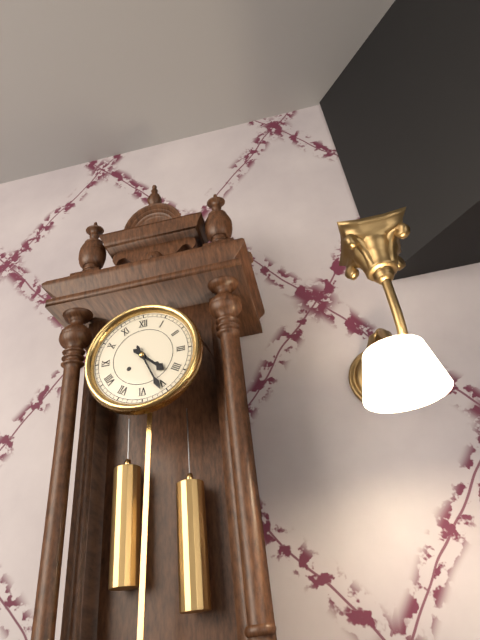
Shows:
4,26
